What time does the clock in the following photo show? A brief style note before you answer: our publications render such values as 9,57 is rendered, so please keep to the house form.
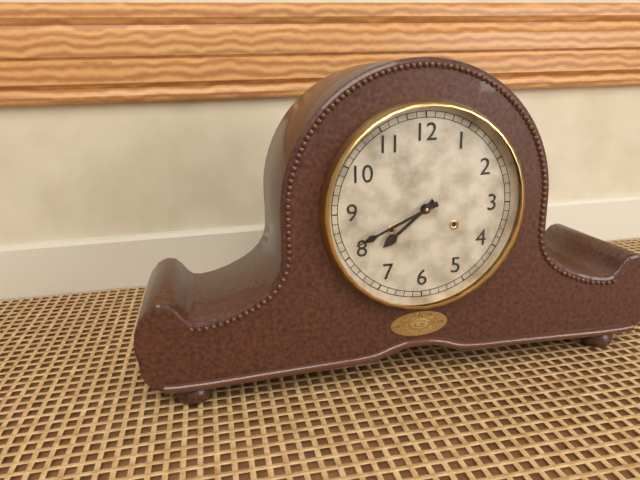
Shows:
7,41
